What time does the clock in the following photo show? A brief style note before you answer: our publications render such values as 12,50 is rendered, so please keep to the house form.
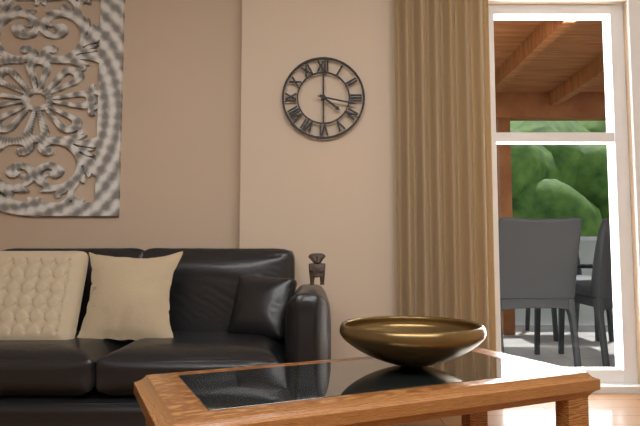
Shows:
4,17
